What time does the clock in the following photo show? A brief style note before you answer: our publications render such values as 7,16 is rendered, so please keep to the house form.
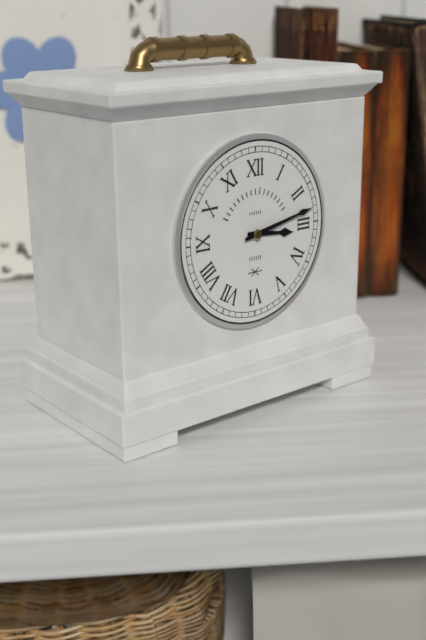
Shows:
3,13
